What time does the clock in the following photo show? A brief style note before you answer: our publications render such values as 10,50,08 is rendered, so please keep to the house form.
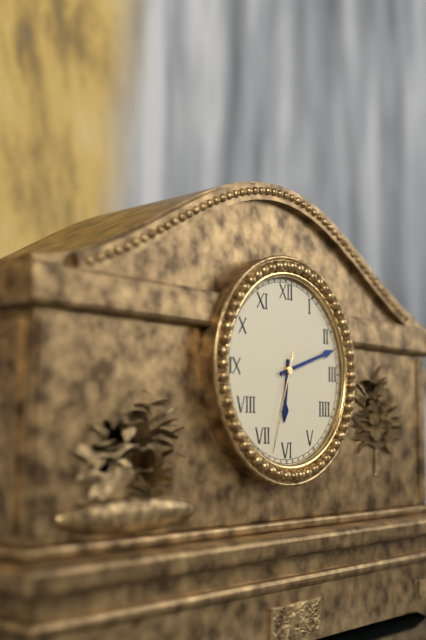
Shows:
6,12,33
